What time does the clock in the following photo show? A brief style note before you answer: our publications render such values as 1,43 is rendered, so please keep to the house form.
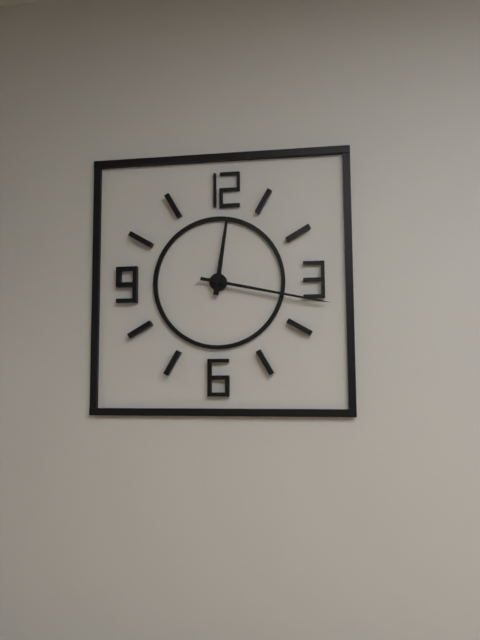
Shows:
12,17
